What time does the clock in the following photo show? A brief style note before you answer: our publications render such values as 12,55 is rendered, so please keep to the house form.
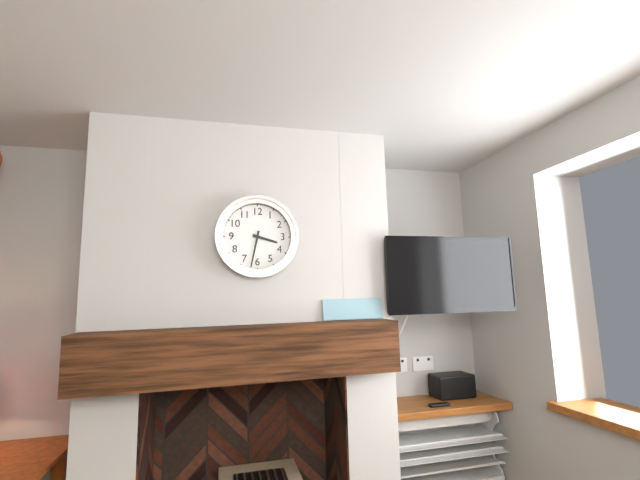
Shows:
3,32
